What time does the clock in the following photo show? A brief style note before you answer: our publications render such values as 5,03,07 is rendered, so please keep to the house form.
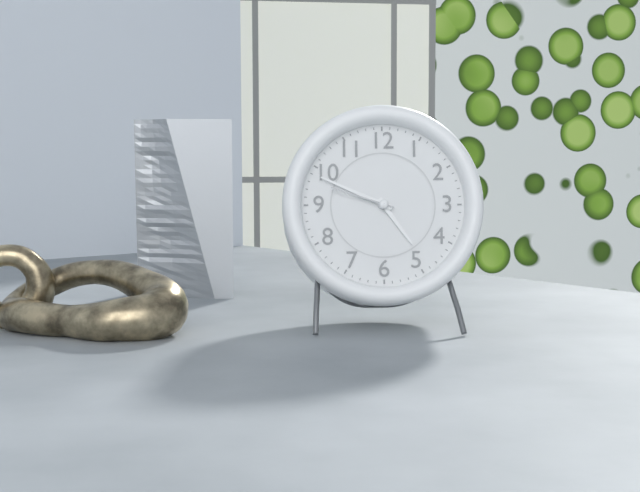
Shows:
4,49,48
